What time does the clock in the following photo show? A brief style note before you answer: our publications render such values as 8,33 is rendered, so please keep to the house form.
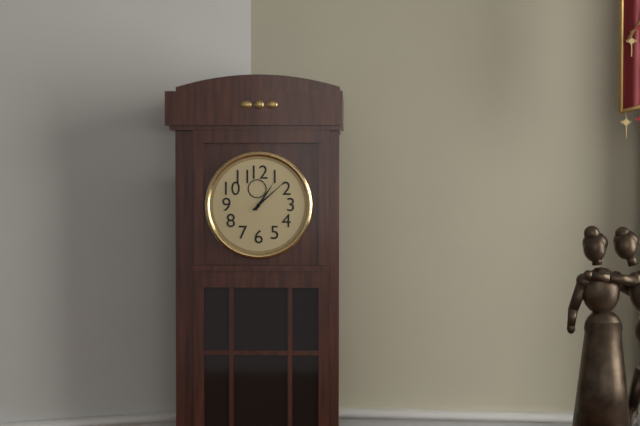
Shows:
1,08
